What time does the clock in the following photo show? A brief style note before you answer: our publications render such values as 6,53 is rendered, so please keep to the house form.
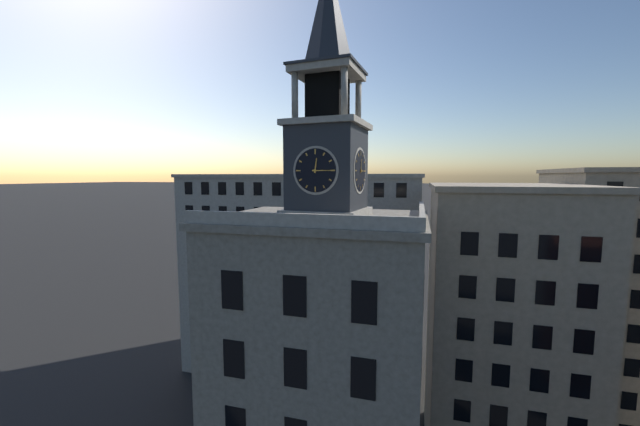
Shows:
12,15
